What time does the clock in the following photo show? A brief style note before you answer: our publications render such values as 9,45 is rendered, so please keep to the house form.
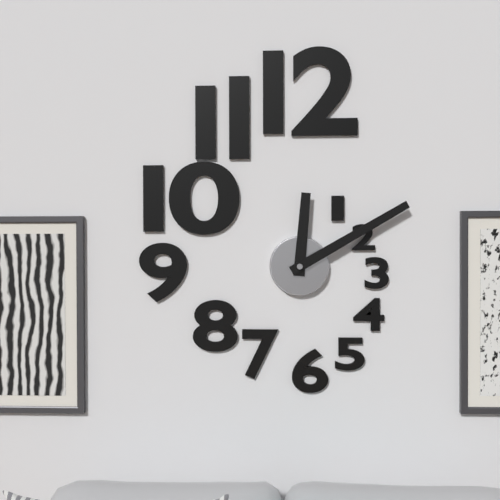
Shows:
12,10
